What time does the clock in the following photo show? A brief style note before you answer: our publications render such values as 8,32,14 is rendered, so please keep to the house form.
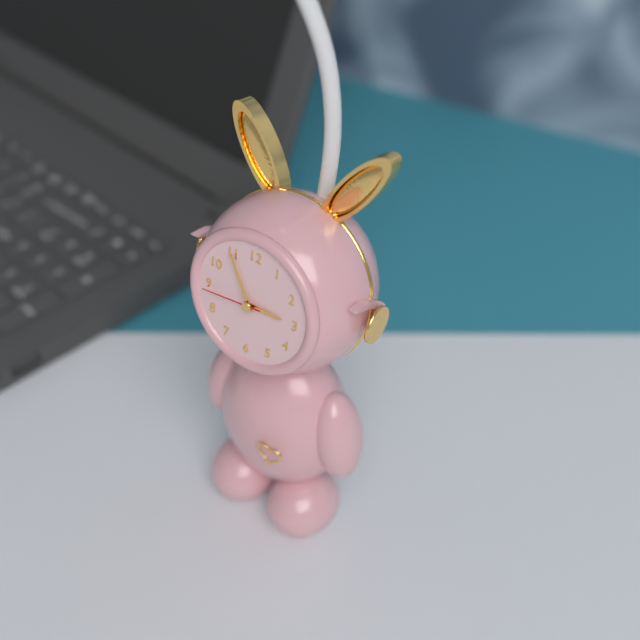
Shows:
2,55,44
